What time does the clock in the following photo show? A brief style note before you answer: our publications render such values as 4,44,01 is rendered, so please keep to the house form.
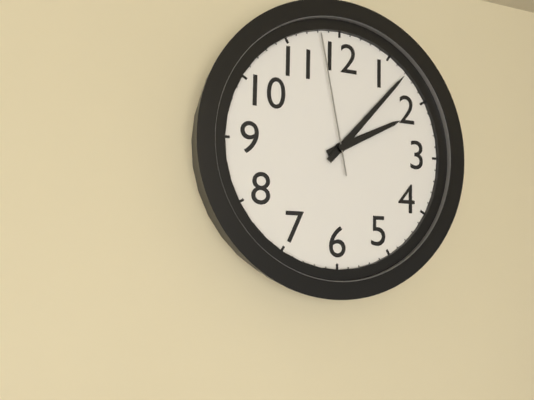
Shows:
2,07,58
